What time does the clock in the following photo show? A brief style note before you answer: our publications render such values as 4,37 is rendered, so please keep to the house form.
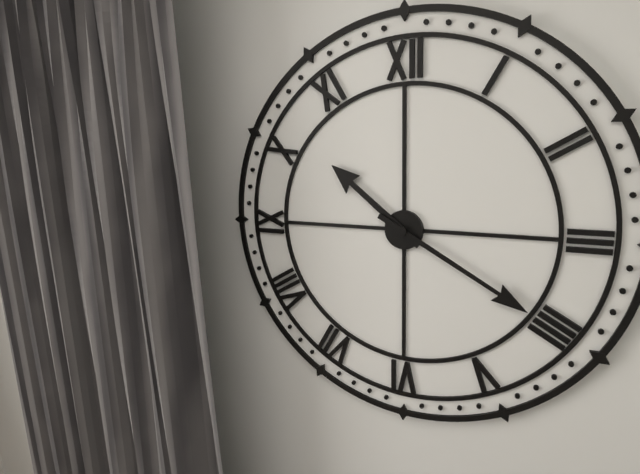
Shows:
10,20
